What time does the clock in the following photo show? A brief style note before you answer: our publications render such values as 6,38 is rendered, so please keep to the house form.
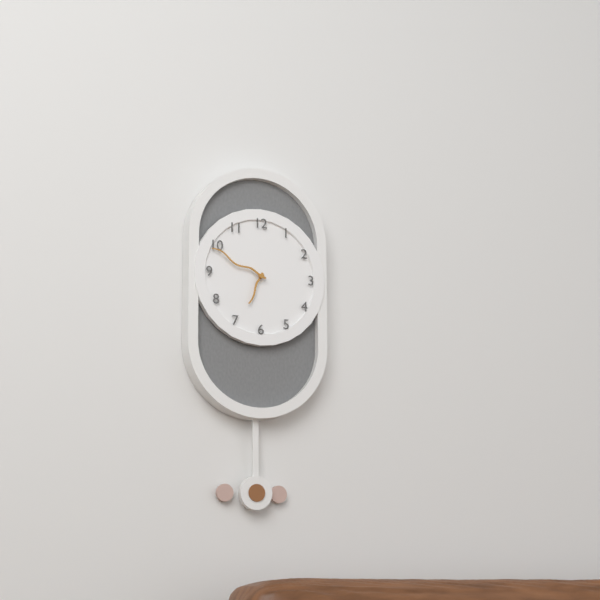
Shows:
6,49
